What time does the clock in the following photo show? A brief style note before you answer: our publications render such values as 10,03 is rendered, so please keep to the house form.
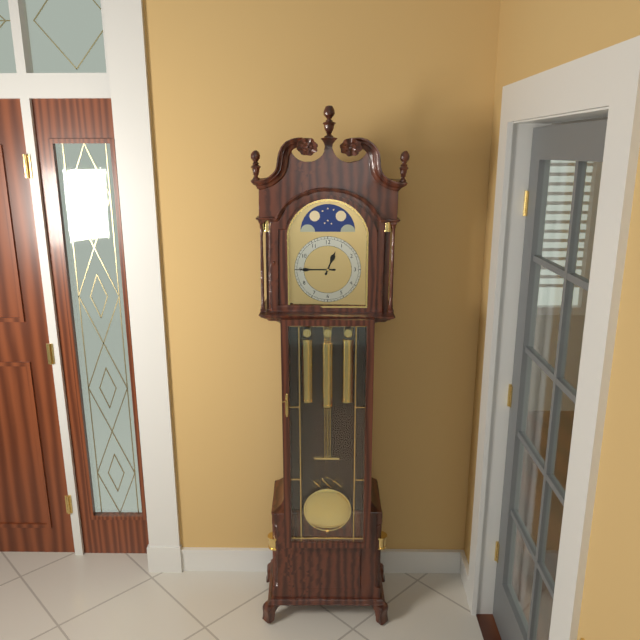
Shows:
12,45
